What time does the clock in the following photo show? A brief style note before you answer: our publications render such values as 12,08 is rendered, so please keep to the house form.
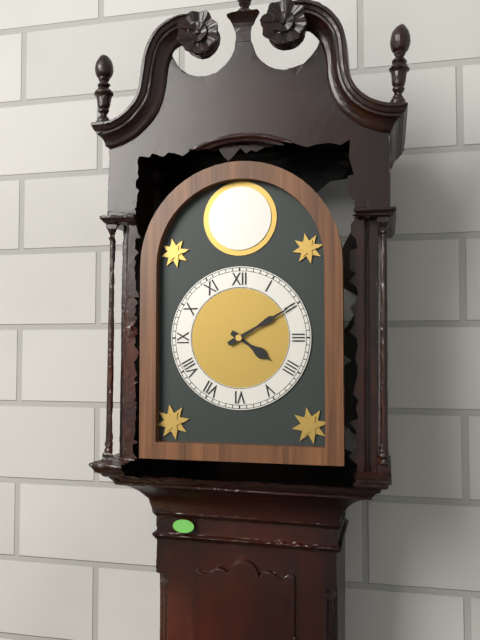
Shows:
4,10
